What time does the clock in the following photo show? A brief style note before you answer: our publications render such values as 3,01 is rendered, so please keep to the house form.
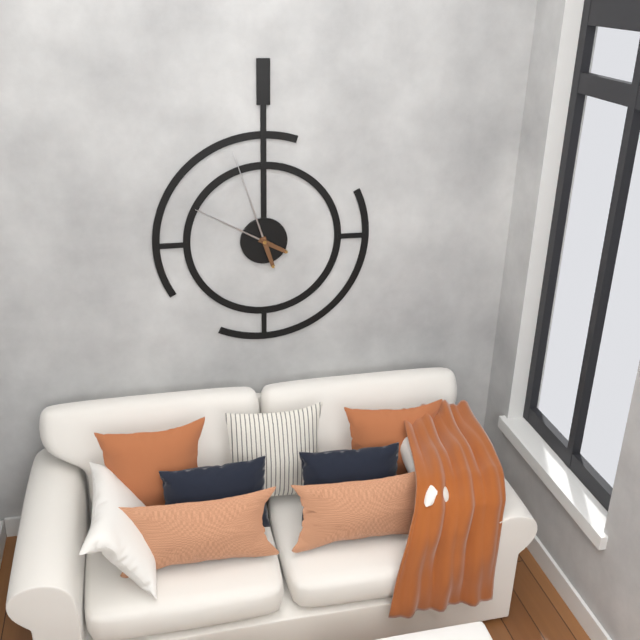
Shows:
9,57
